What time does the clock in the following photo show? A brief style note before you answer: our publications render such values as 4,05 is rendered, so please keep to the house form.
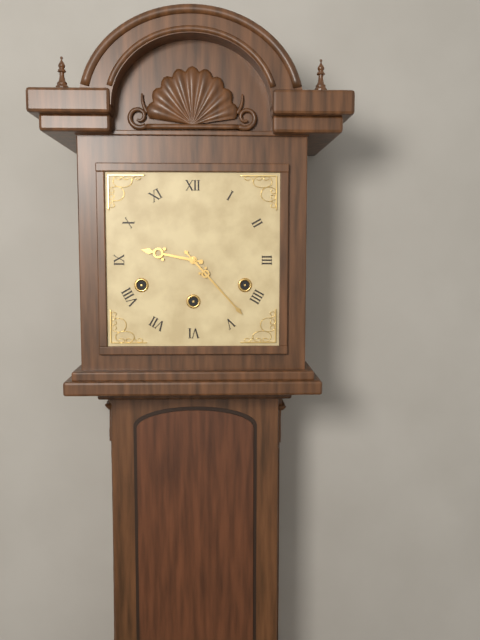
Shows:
9,23
